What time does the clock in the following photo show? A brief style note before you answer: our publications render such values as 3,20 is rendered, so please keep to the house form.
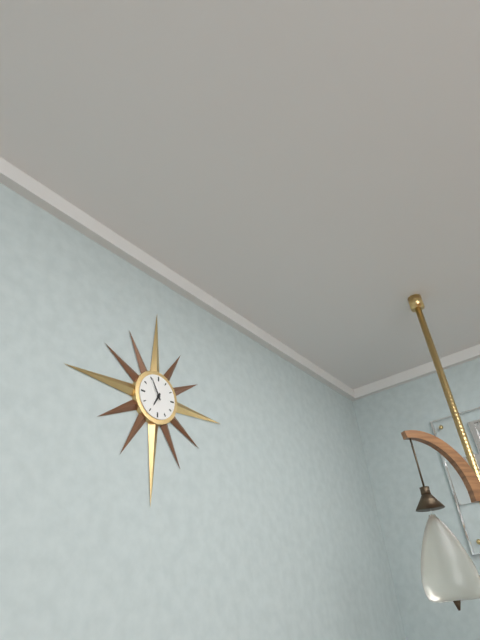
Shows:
6,55
